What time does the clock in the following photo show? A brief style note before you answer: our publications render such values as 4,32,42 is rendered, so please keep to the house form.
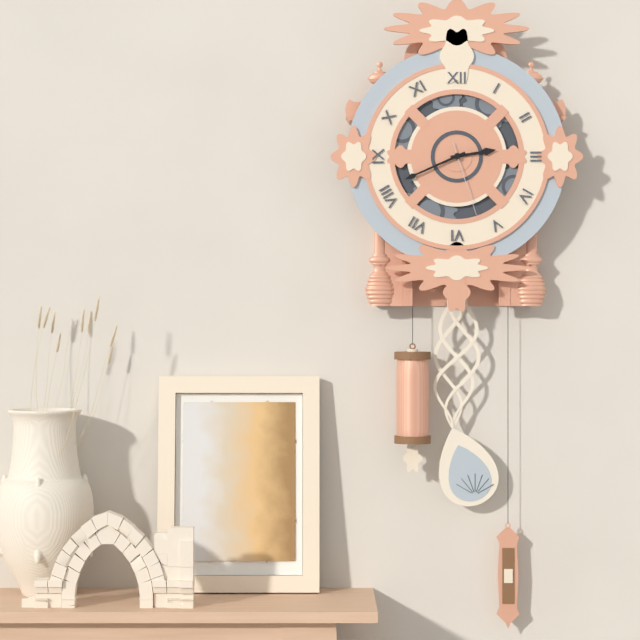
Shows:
2,41,27
